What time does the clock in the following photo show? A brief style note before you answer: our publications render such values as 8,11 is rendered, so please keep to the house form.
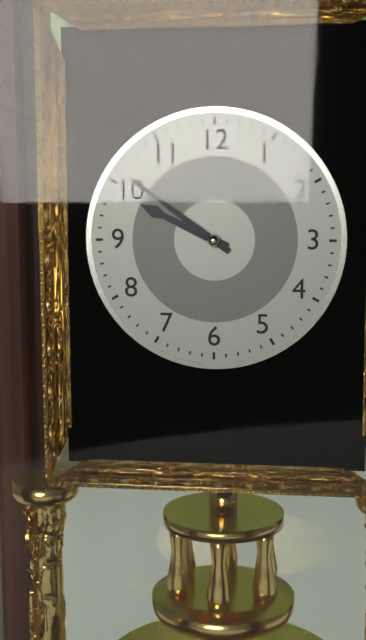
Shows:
9,51
